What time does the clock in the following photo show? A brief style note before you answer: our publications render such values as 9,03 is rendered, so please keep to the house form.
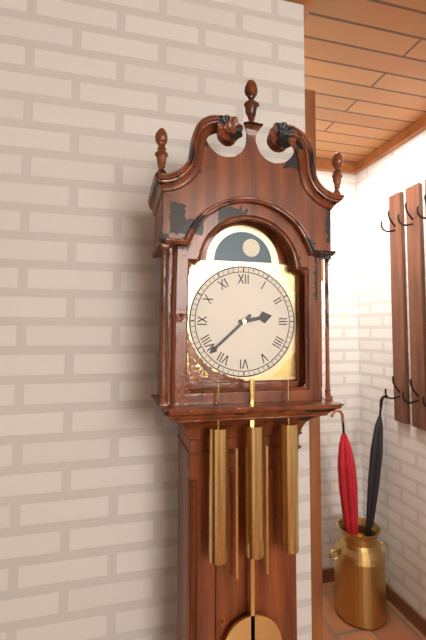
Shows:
2,38
